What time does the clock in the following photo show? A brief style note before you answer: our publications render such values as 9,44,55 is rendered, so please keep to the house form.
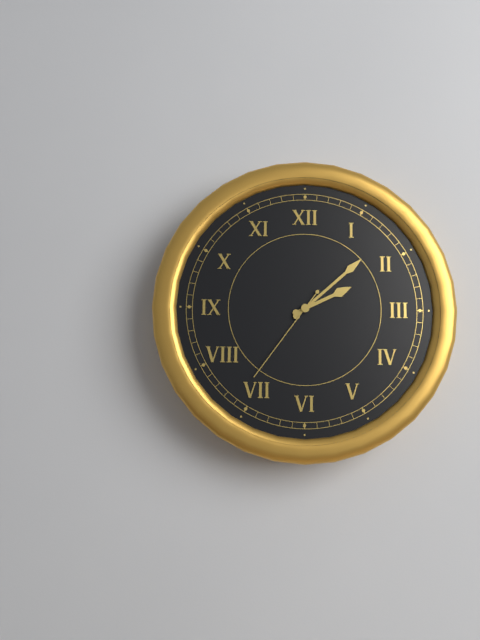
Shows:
2,08,36
